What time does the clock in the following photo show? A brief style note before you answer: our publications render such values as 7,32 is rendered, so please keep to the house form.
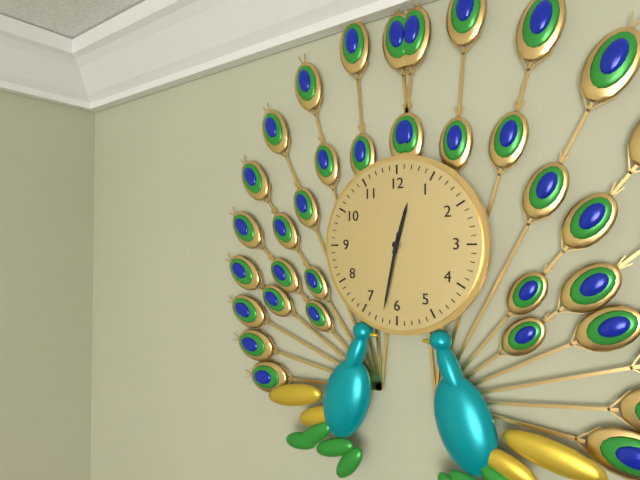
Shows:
12,32
